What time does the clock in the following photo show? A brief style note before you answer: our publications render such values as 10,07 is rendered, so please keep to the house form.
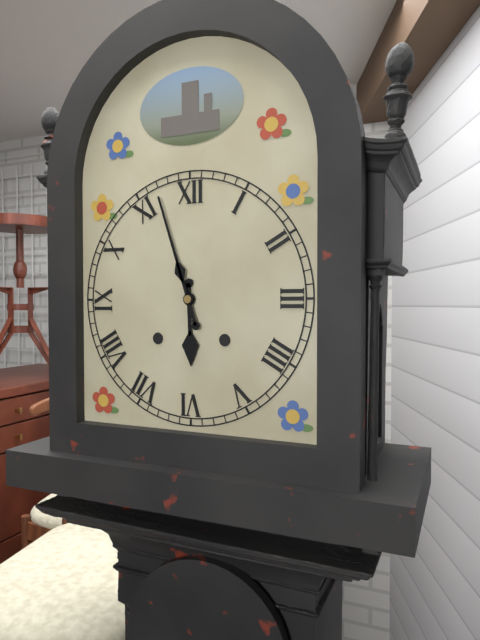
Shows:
5,57
